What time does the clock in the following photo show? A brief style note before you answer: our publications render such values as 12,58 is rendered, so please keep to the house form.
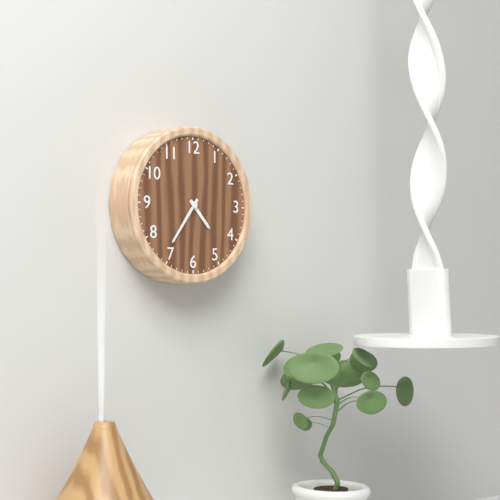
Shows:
4,36
